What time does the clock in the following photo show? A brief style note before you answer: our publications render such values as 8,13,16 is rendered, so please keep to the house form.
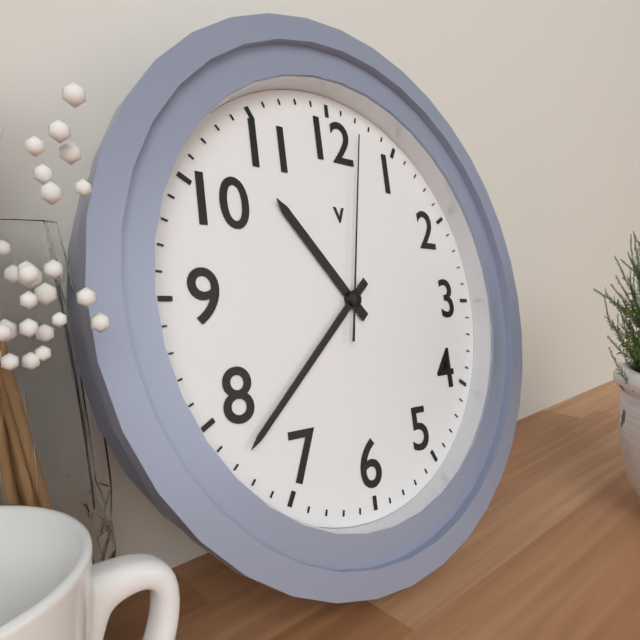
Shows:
10,38,02
